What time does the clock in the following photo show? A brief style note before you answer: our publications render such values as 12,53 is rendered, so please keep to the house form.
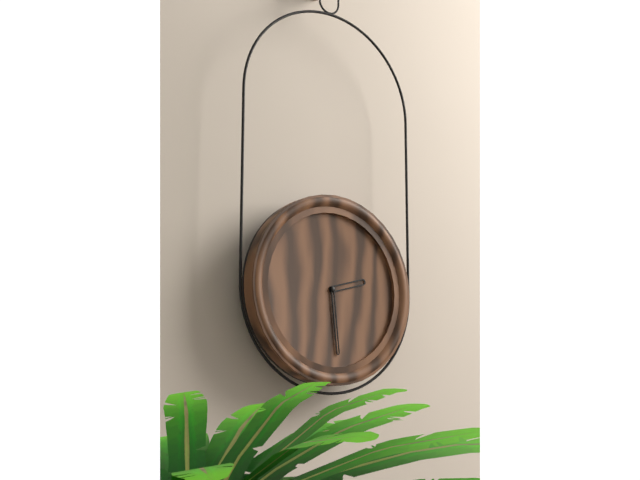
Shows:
2,29
